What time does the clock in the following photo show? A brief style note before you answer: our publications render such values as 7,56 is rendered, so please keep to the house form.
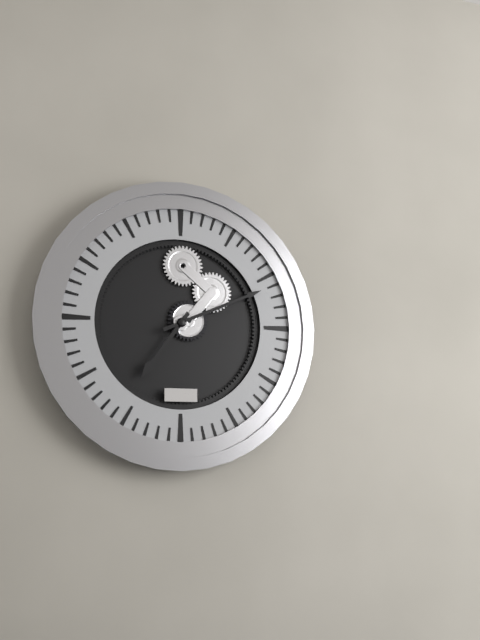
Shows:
7,11
